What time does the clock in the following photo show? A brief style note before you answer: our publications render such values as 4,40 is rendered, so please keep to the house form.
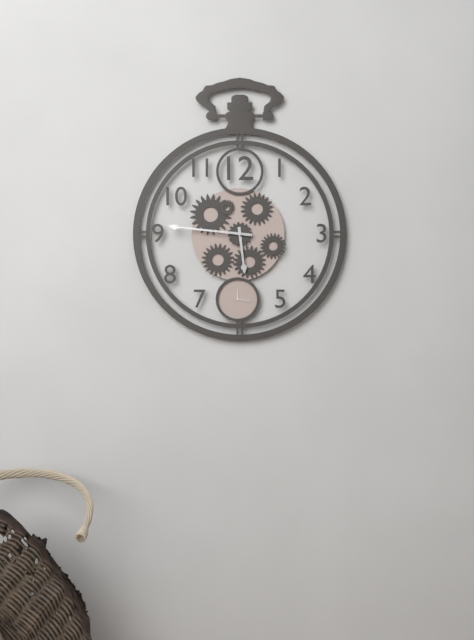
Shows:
5,46
